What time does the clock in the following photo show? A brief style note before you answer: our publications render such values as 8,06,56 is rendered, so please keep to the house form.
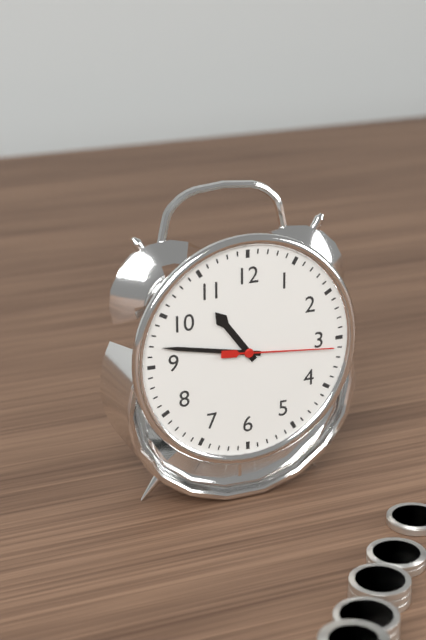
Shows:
10,47,16
